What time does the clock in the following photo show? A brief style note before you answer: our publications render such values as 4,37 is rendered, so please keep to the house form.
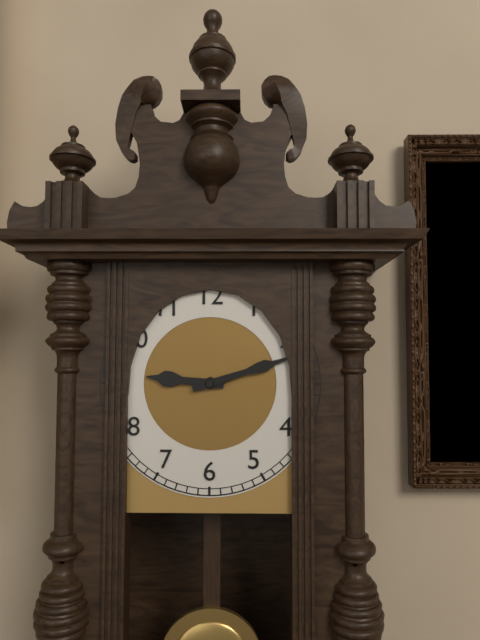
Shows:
9,12
